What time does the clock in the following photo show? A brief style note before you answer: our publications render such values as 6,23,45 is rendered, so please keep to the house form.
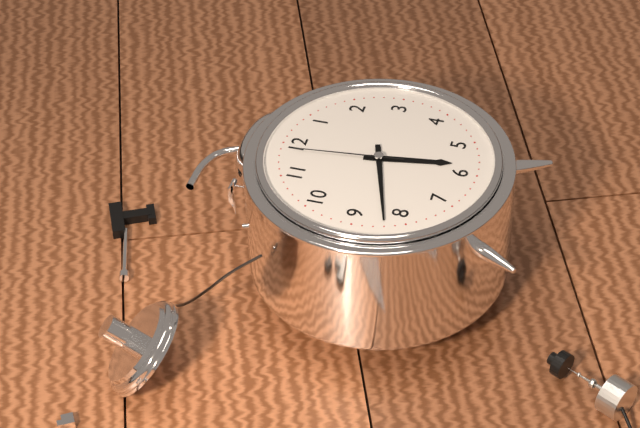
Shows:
5,42,59
